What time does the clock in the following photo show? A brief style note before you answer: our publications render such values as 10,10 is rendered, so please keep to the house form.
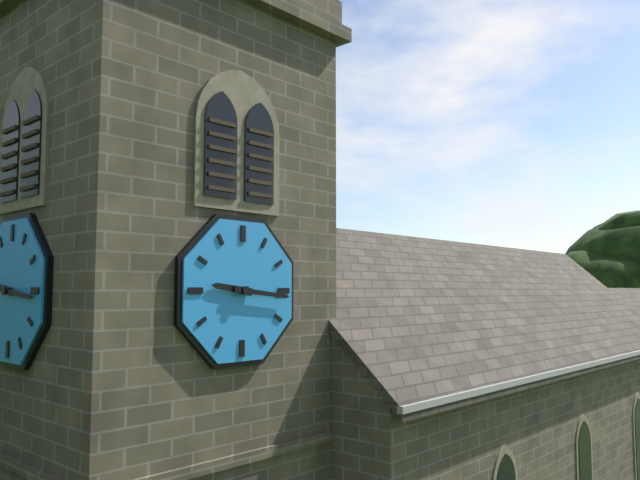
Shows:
9,16
